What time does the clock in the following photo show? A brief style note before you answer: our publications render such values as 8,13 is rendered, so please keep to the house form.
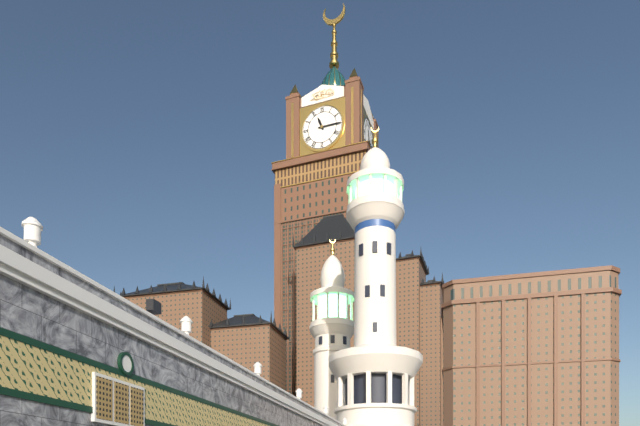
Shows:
11,15
